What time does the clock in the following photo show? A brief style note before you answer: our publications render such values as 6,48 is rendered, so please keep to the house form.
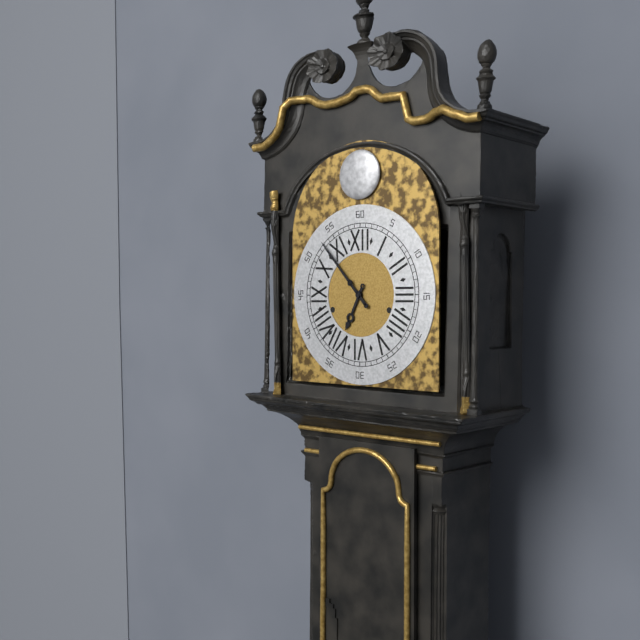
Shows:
6,53
